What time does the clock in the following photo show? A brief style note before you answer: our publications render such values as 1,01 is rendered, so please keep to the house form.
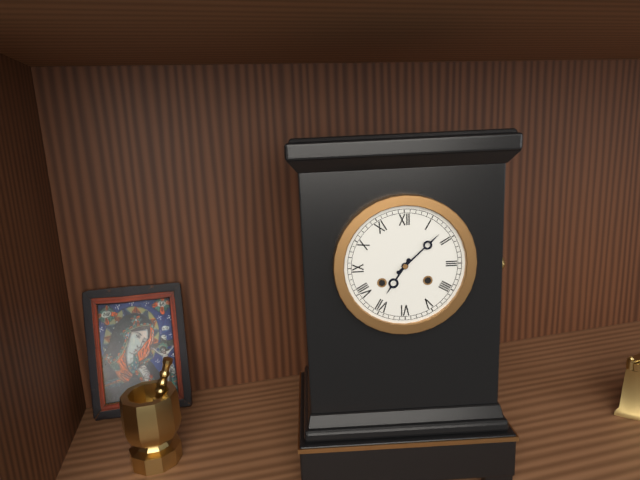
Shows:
7,08
